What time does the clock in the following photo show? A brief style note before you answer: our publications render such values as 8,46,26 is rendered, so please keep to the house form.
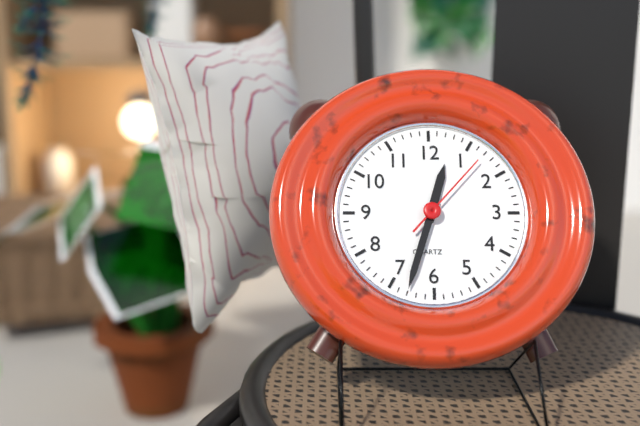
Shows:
12,33,07
